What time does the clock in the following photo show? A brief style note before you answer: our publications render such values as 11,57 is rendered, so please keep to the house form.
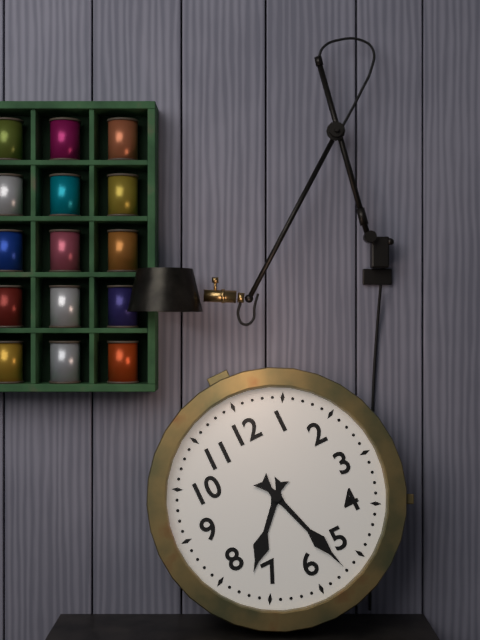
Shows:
7,27
